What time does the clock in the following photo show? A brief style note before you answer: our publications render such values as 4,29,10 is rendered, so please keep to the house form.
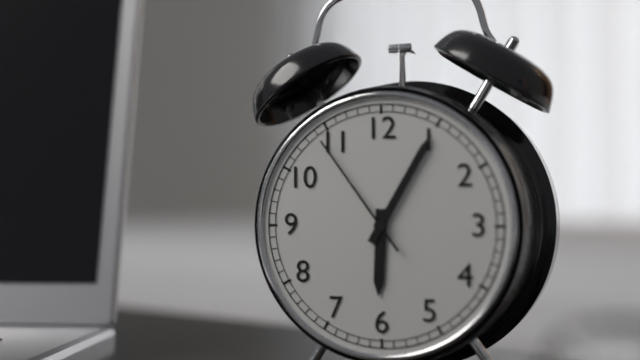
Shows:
6,05,54
